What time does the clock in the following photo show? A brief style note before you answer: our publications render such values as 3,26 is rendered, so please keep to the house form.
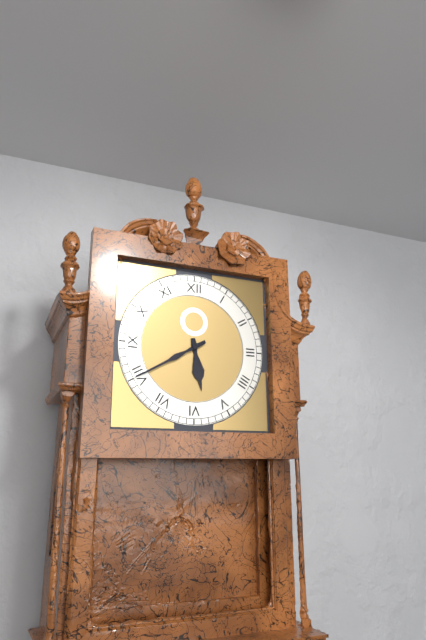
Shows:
5,40
